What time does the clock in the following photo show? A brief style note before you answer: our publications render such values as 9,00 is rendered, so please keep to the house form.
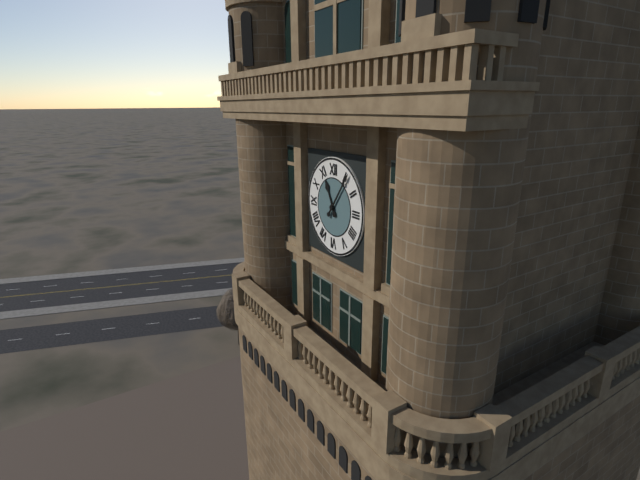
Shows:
11,06
